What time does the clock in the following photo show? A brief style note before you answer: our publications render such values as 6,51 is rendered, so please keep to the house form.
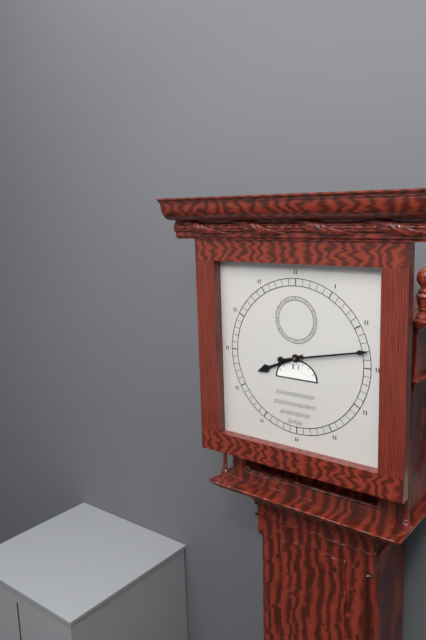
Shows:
8,13
